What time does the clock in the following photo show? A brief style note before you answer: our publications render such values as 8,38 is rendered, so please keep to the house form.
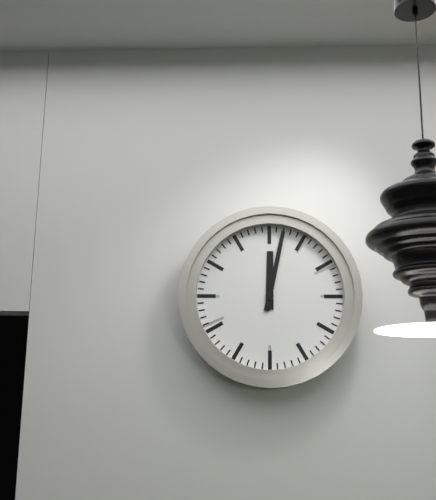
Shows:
12,02
